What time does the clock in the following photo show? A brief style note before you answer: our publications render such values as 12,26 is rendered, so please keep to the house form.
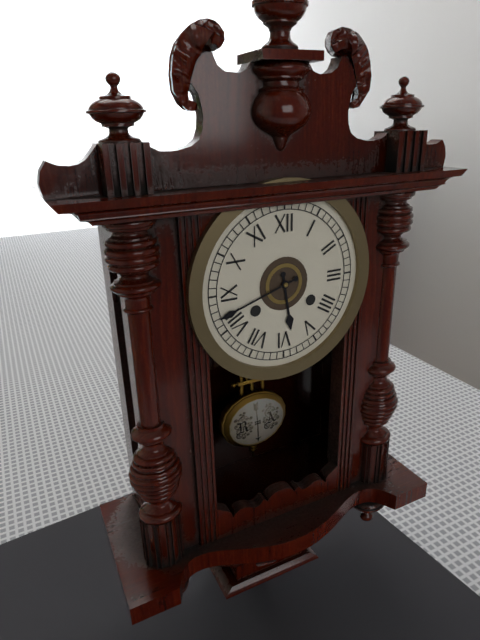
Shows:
5,42
